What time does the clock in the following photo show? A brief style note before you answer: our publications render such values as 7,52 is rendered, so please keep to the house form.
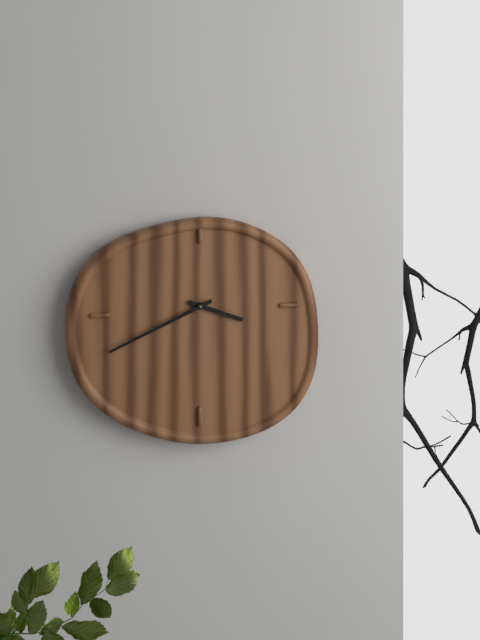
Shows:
3,41
